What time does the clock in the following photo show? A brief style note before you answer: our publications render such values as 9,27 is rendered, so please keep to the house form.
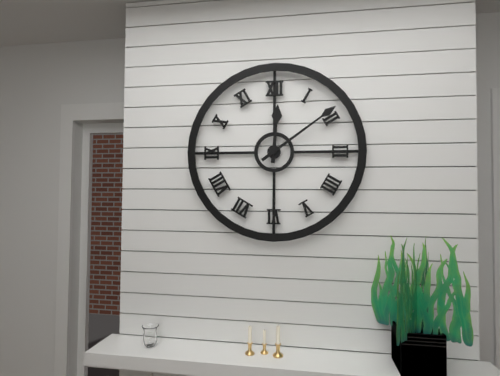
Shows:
12,09
